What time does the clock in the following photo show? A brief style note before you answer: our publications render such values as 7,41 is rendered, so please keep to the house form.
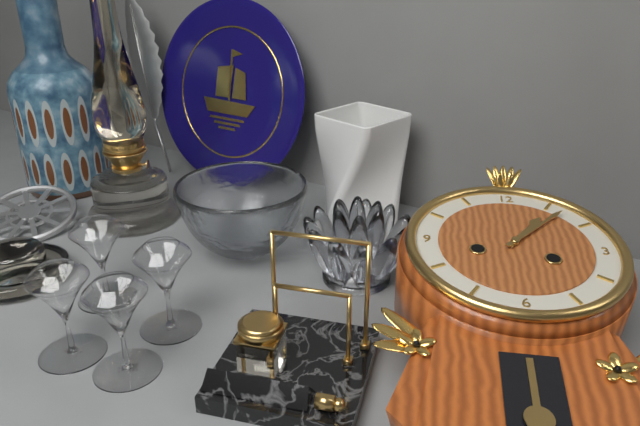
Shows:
1,07
